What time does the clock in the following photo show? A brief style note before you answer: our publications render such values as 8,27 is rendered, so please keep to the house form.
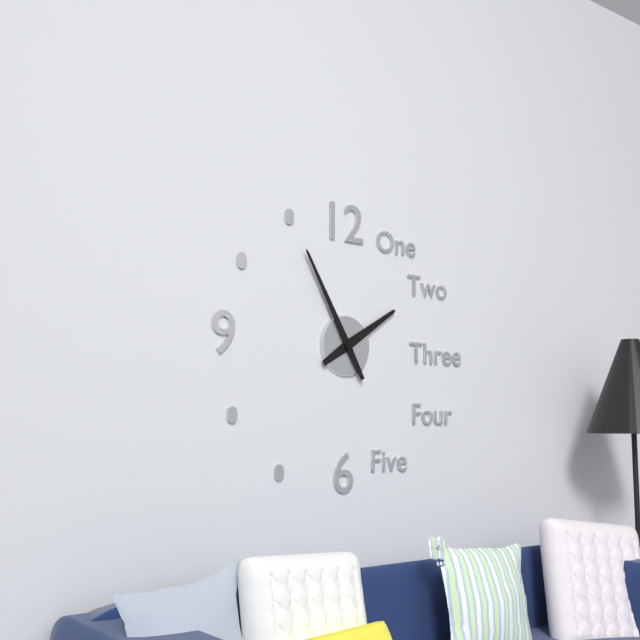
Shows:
1,55
